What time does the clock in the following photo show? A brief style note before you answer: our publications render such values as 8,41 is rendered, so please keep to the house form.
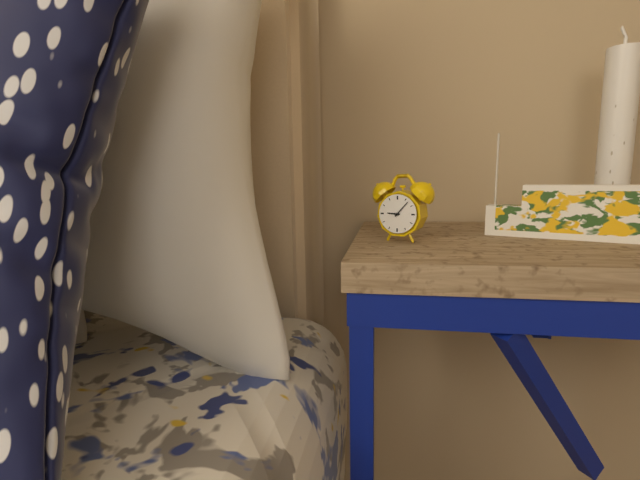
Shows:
9,07
